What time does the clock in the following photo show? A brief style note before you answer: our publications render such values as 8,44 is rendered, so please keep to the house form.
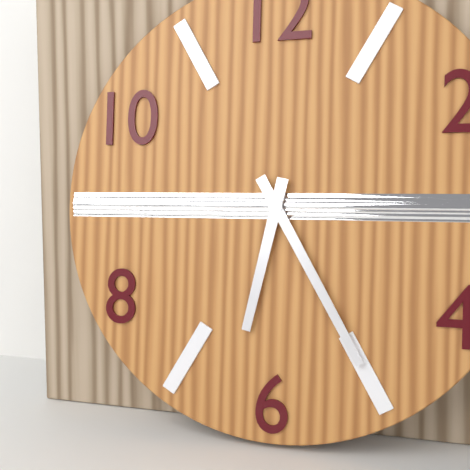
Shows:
6,25
